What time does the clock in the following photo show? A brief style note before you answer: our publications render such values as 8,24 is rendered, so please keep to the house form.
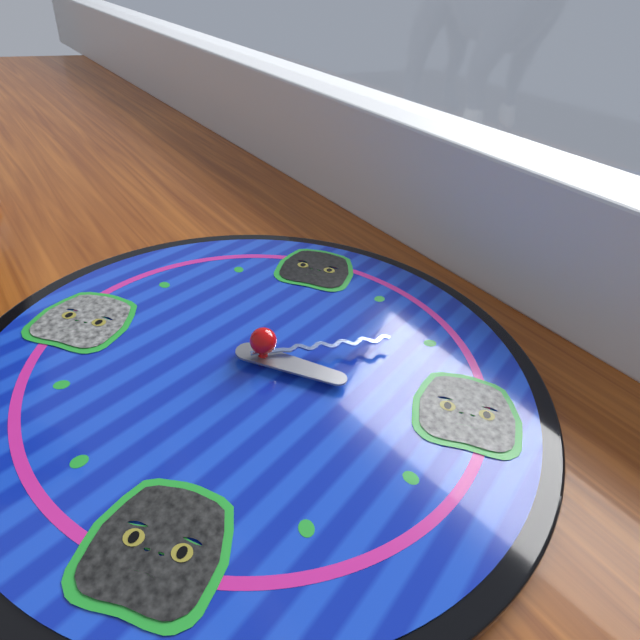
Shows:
3,10
